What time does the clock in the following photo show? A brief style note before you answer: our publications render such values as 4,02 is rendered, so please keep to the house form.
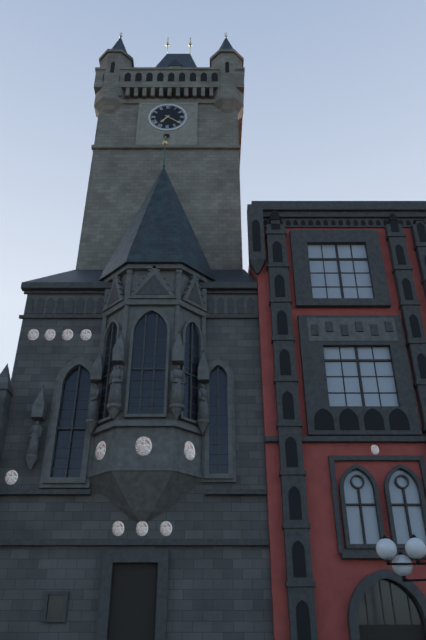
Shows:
7,21
